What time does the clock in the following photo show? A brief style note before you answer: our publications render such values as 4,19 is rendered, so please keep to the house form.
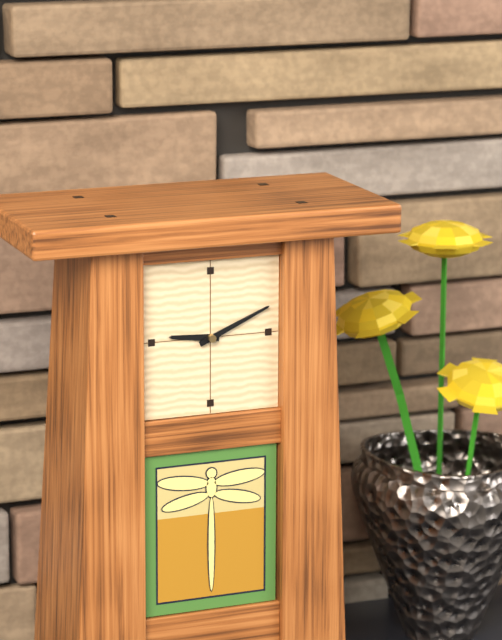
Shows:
9,11
